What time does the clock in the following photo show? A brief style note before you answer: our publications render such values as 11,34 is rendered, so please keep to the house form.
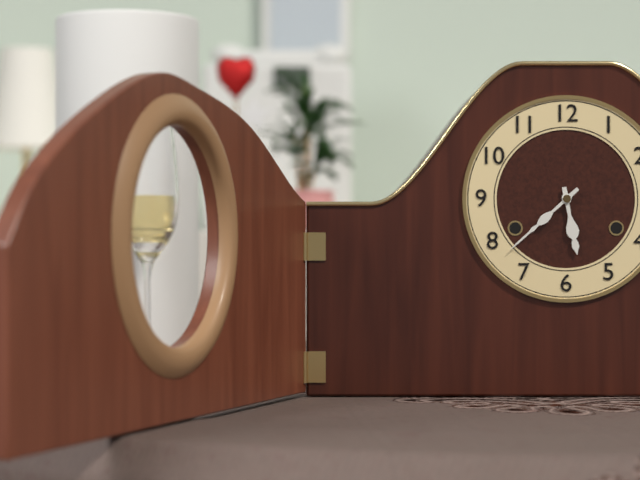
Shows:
5,38
